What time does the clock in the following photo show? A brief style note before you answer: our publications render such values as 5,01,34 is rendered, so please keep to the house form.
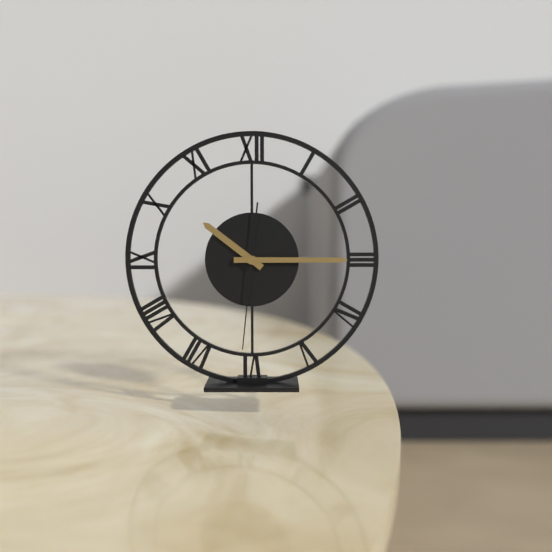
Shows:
10,15,31
